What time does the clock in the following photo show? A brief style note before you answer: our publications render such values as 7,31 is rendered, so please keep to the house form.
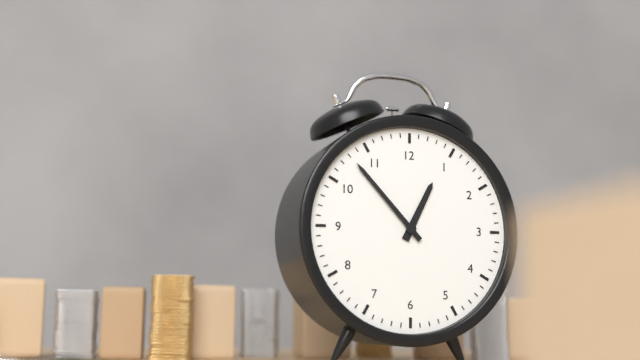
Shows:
12,53
